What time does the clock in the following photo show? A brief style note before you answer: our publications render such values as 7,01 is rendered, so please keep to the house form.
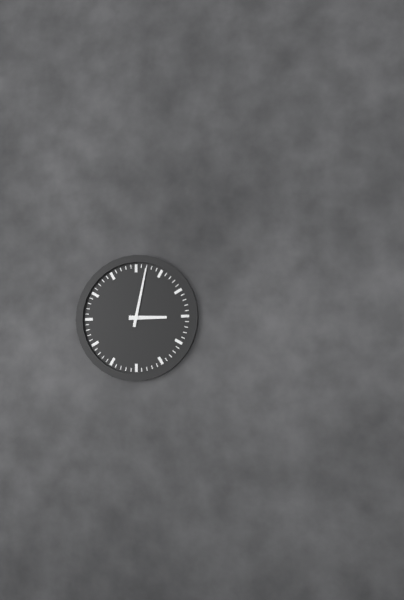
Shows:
3,02
